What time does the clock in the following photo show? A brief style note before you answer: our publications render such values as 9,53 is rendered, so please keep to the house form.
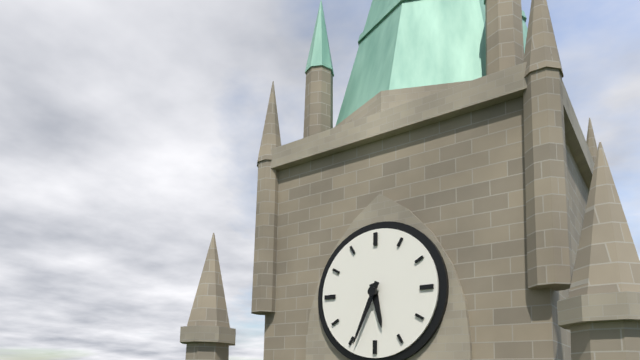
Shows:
5,34
